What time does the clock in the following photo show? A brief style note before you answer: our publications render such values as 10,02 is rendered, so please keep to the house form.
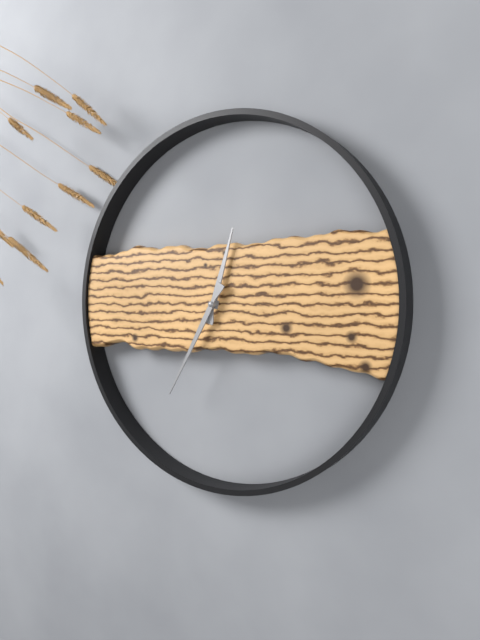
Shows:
12,35
